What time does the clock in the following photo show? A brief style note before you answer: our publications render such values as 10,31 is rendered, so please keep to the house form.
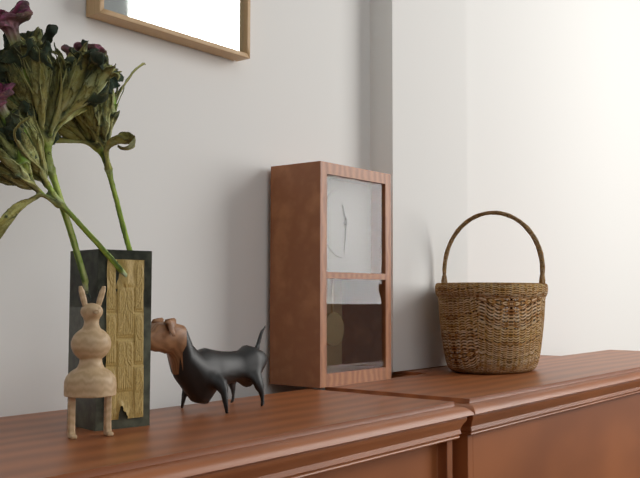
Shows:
11,31
